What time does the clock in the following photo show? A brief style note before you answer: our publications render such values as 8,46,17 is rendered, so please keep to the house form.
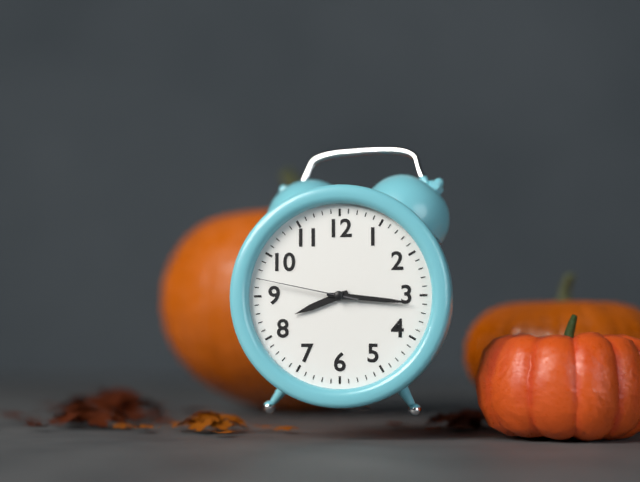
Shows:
8,16,47
